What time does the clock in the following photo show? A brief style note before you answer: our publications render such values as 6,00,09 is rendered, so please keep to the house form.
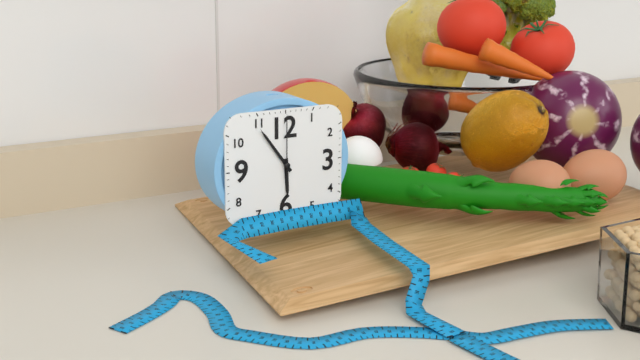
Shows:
5,54,00
